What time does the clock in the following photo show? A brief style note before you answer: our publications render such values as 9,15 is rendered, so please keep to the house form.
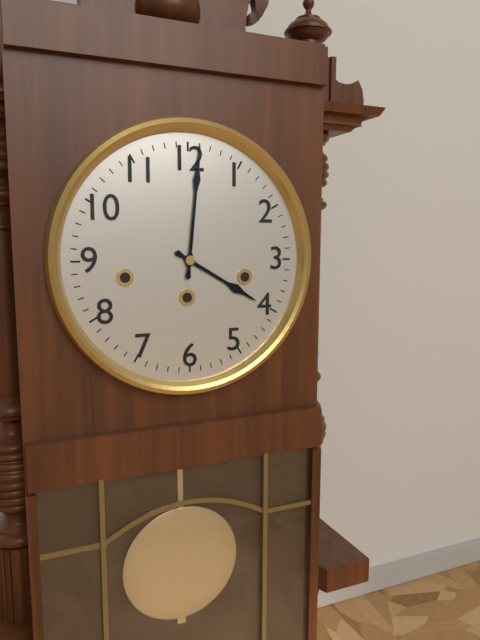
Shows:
4,01
